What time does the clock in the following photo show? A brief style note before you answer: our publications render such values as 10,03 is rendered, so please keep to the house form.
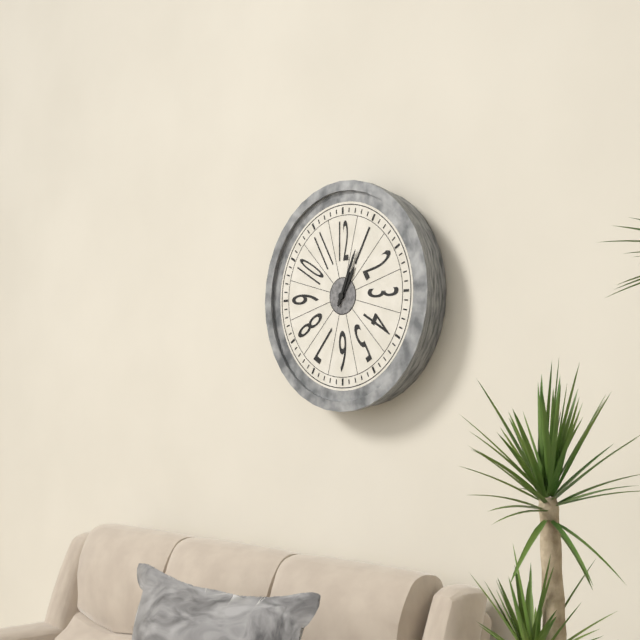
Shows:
1,04
